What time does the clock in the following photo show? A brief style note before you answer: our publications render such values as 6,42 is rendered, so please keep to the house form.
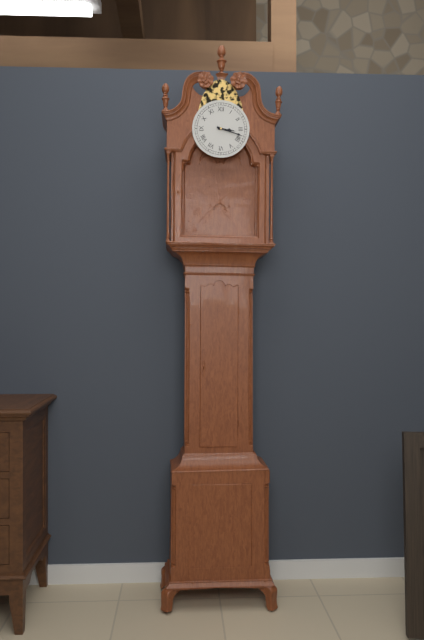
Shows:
3,18
